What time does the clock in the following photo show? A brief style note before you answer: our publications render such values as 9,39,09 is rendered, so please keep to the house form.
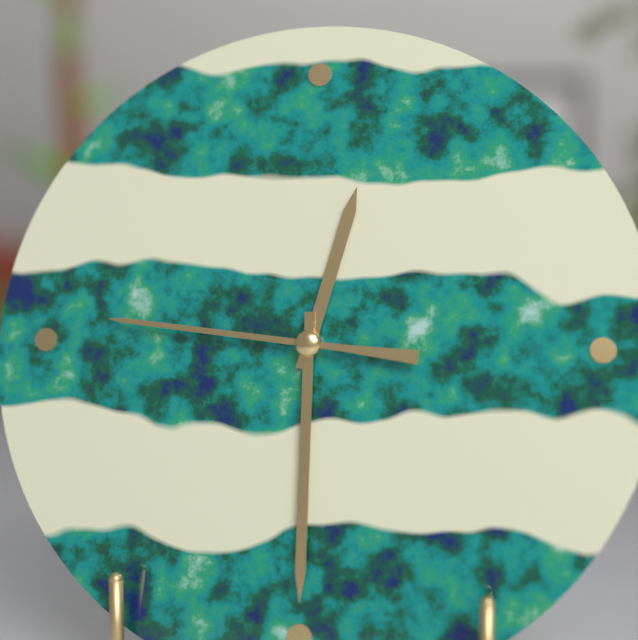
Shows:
12,30,46
